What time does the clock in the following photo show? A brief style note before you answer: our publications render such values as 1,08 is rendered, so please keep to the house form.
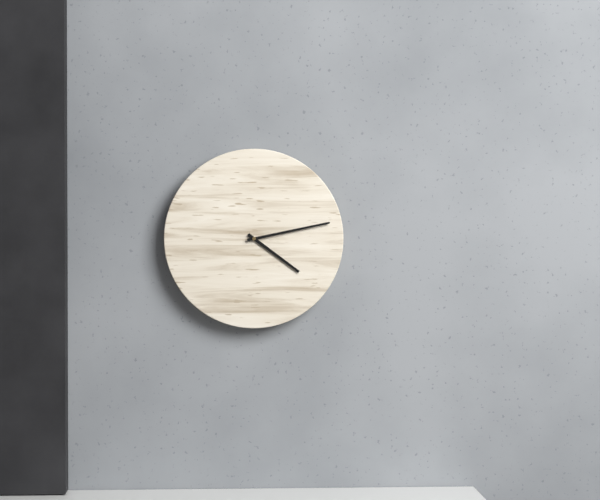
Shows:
4,13
